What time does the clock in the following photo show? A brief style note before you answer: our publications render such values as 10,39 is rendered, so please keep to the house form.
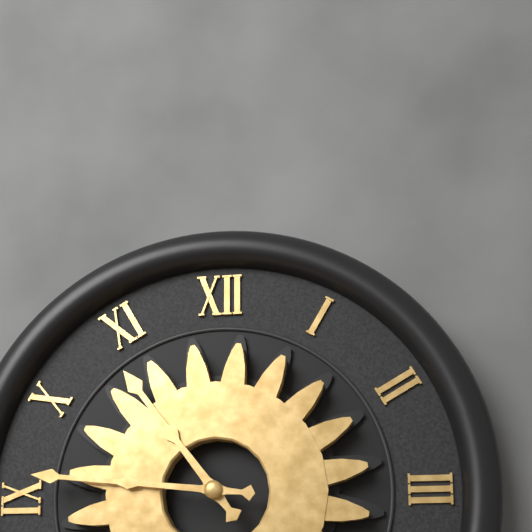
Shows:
10,46
